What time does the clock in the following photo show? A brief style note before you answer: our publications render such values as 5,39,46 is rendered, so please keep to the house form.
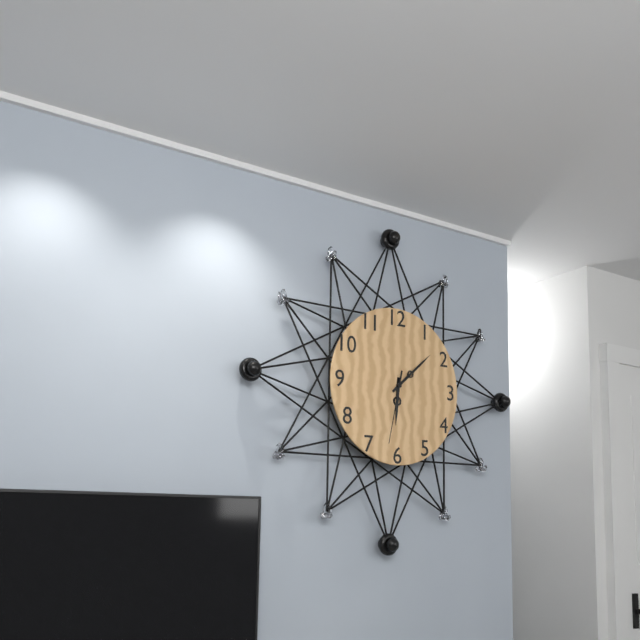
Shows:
6,08,32
